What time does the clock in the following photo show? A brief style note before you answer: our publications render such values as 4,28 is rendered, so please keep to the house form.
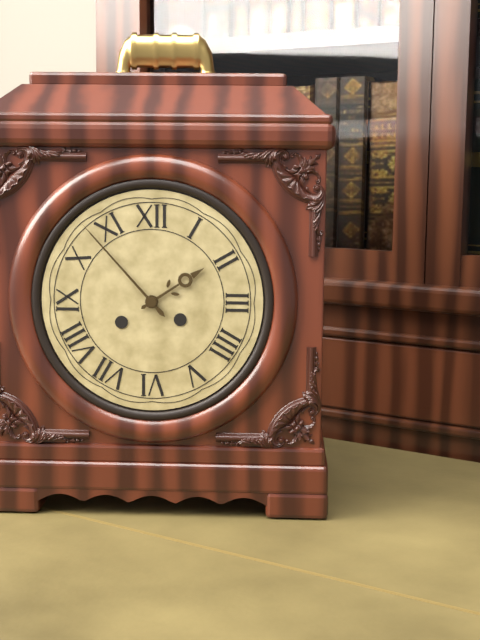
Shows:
1,53
